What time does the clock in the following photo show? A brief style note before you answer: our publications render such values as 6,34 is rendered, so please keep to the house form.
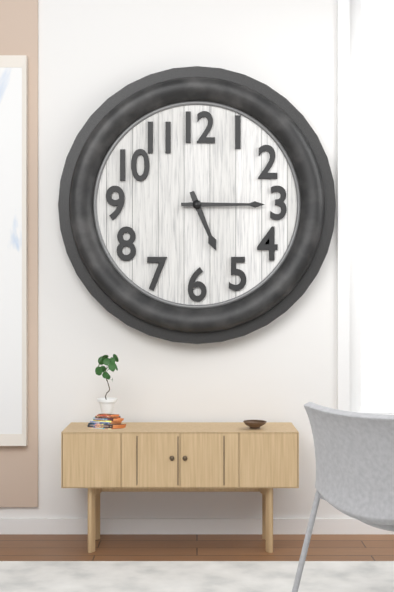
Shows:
5,15
